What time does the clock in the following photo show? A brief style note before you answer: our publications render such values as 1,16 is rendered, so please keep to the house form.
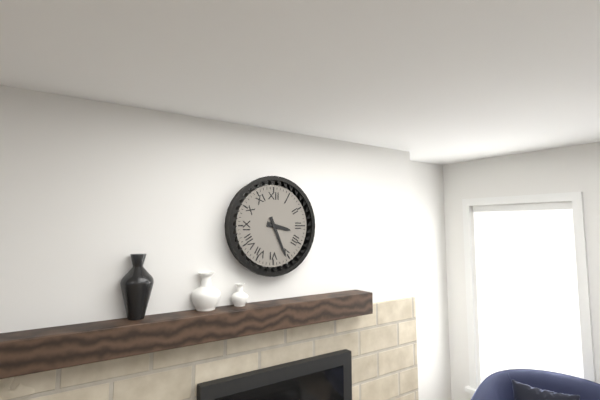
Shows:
3,26
